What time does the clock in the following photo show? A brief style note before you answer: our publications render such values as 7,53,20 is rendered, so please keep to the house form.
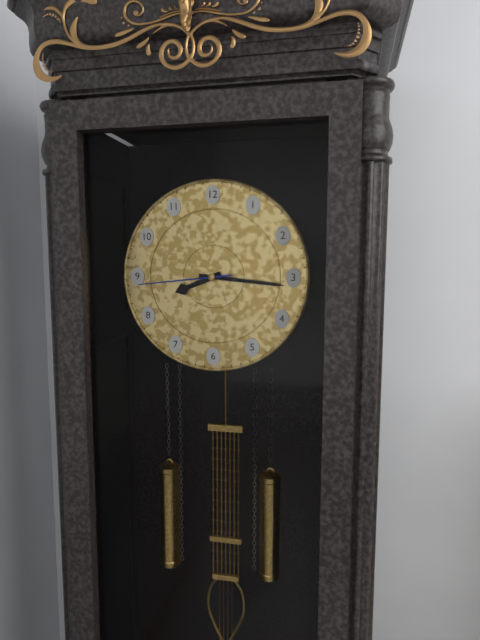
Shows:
8,16,44
